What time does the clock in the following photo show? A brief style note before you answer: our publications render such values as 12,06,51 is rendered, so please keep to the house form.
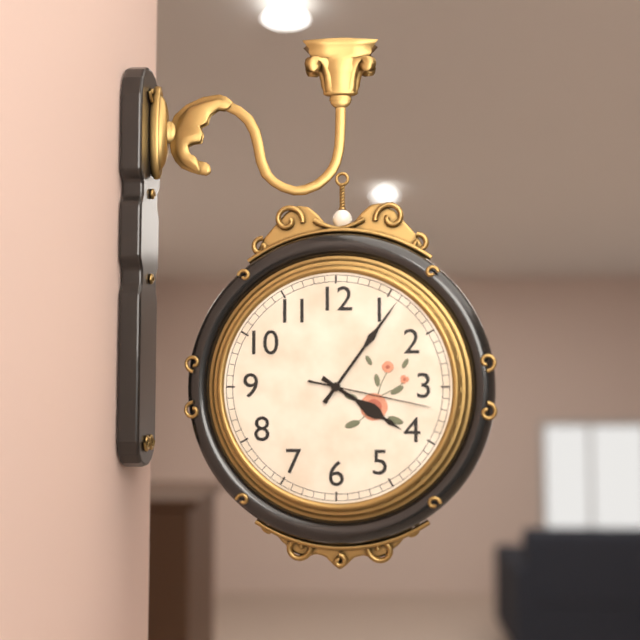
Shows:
4,06,17
